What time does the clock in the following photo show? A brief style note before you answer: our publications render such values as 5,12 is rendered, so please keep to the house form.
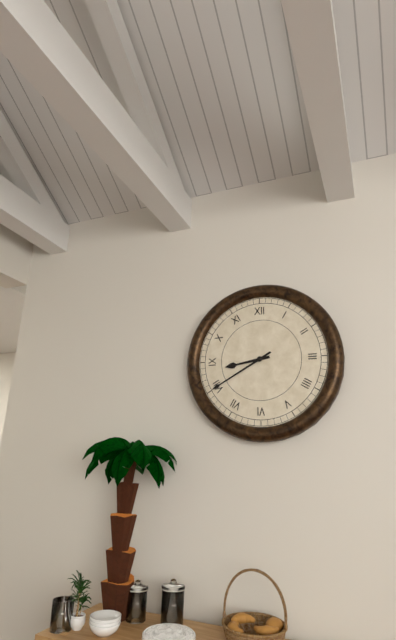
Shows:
8,40
